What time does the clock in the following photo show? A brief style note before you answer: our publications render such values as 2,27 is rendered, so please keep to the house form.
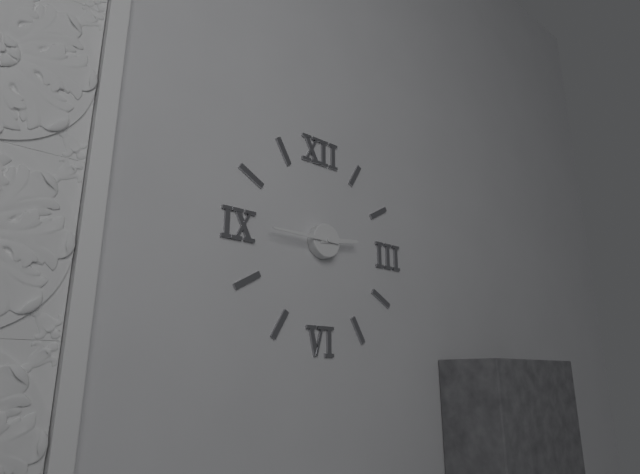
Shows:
2,45
